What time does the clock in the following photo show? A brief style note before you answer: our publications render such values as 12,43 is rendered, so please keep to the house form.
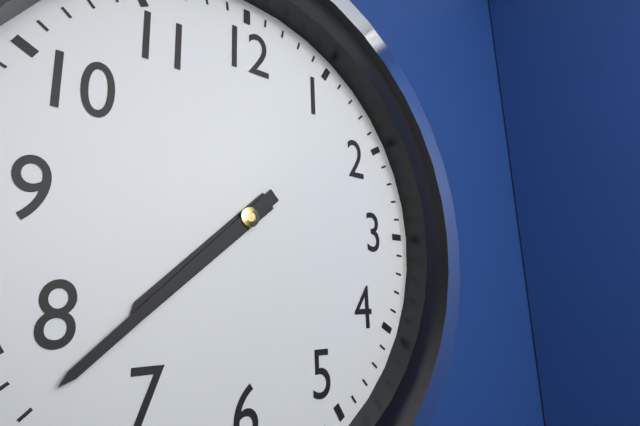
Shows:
7,38
